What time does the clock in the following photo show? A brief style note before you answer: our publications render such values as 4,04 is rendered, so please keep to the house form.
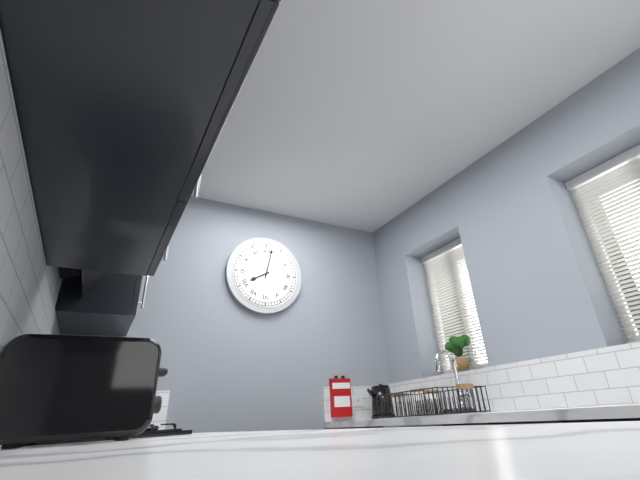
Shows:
8,02
